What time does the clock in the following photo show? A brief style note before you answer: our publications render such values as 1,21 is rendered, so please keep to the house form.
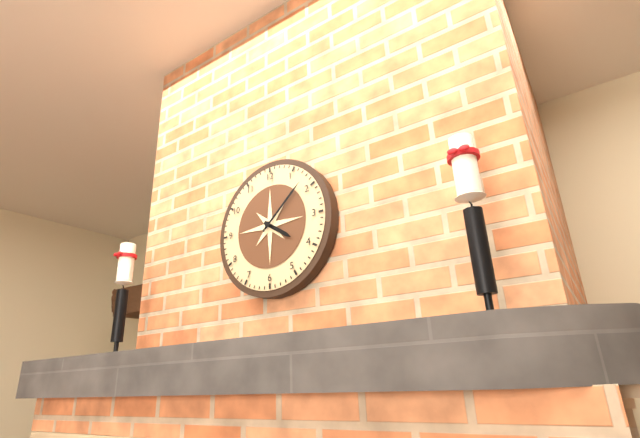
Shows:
4,08
